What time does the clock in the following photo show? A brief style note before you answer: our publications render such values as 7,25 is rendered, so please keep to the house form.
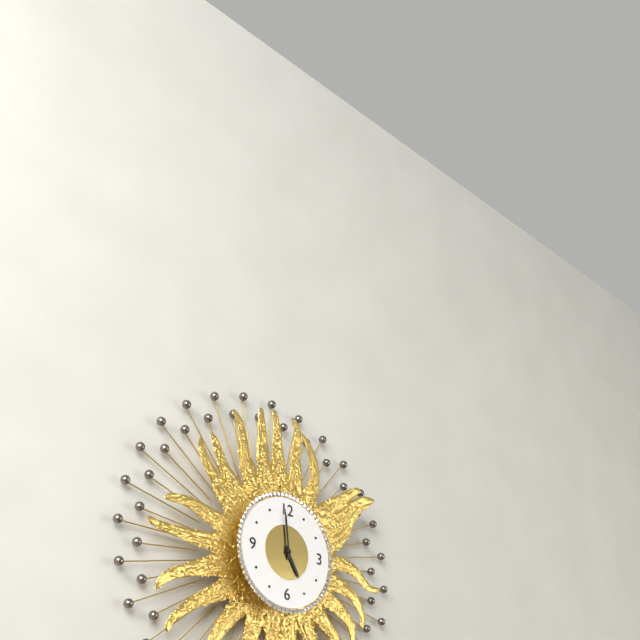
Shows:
4,59
